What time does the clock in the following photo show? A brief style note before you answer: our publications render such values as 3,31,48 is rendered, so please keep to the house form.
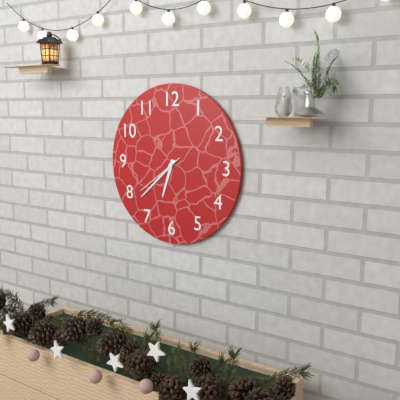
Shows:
6,38,39
